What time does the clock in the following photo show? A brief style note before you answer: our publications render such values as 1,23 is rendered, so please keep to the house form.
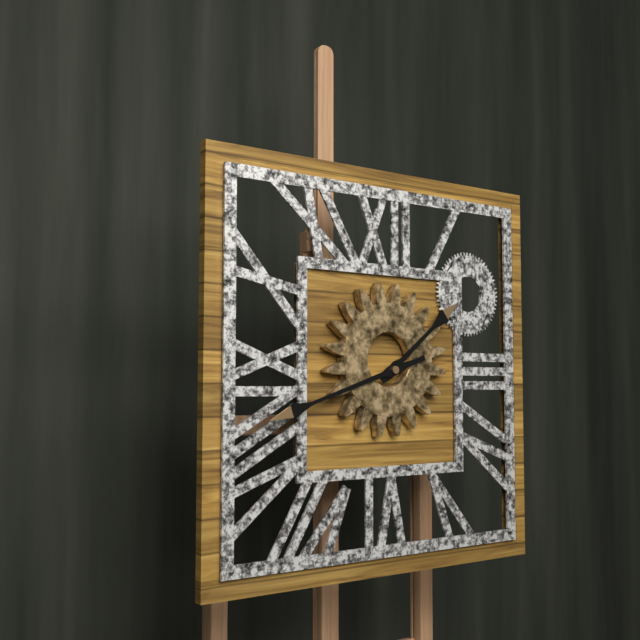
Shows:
1,42
